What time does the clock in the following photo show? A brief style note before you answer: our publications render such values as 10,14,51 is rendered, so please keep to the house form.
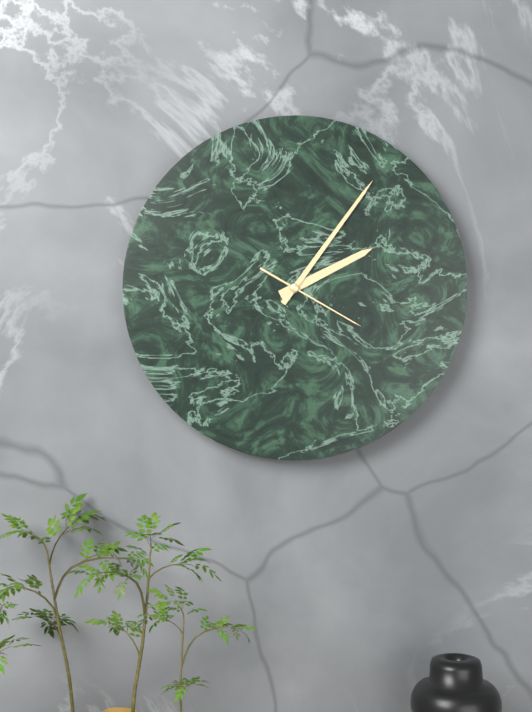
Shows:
2,06,20
